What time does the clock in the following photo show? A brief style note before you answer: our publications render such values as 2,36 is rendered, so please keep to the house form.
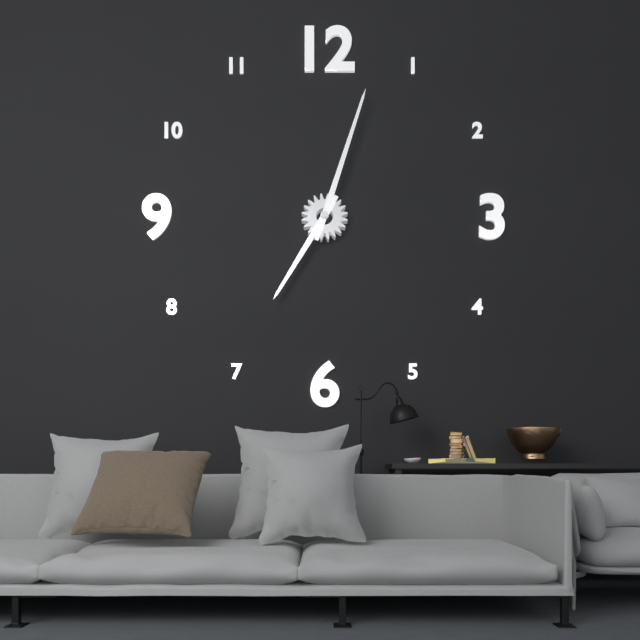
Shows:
7,03
